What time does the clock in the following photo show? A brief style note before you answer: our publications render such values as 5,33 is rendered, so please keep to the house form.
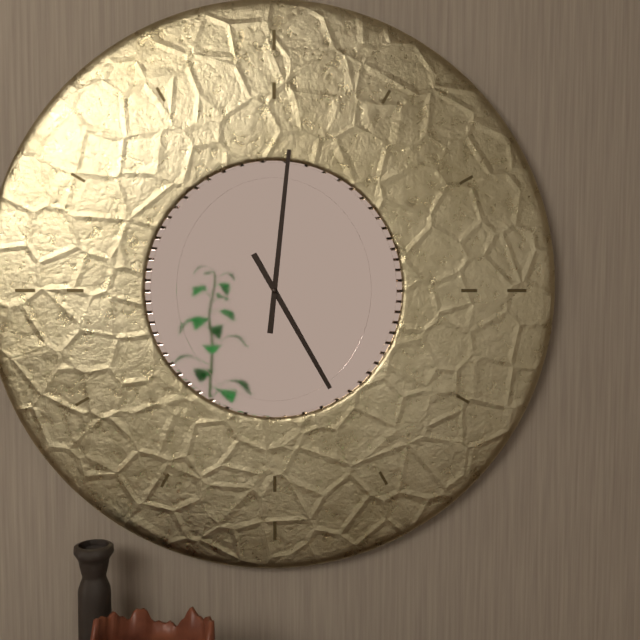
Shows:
5,01
